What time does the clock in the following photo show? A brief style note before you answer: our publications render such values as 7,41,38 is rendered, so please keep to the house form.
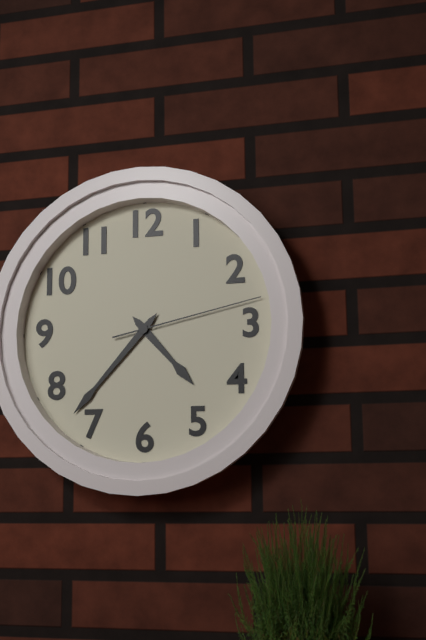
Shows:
4,37,13
